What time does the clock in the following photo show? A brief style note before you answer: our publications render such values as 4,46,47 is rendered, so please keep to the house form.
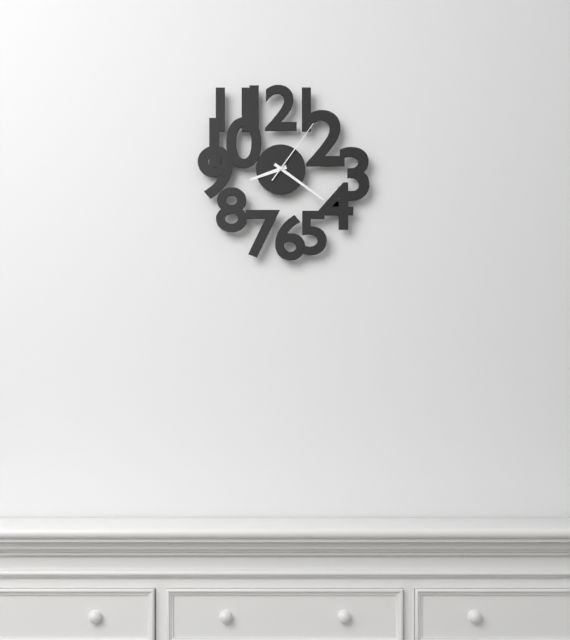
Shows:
8,21,06
